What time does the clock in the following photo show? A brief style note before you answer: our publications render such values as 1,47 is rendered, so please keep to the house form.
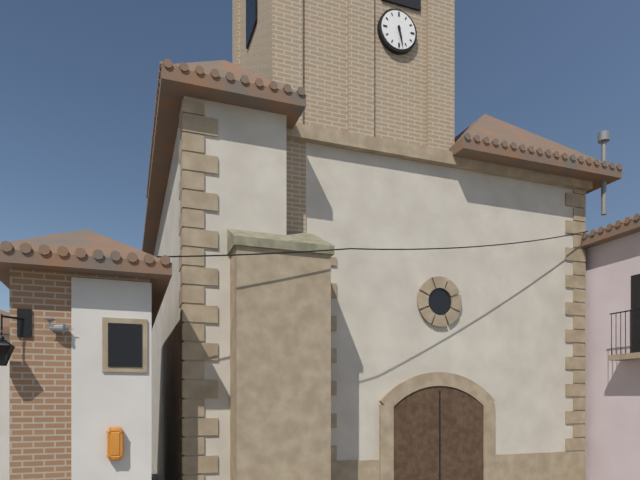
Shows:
5,28
